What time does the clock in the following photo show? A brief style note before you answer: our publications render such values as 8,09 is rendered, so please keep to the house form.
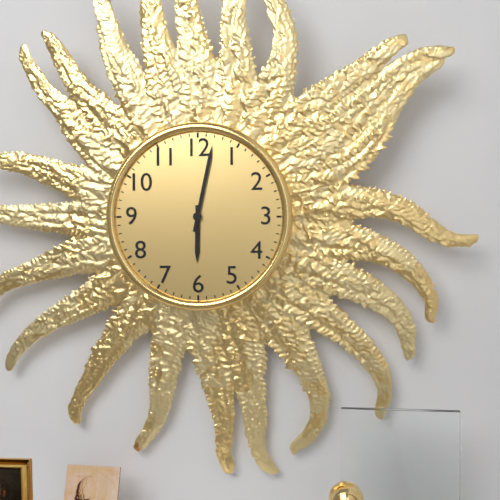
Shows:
6,02
